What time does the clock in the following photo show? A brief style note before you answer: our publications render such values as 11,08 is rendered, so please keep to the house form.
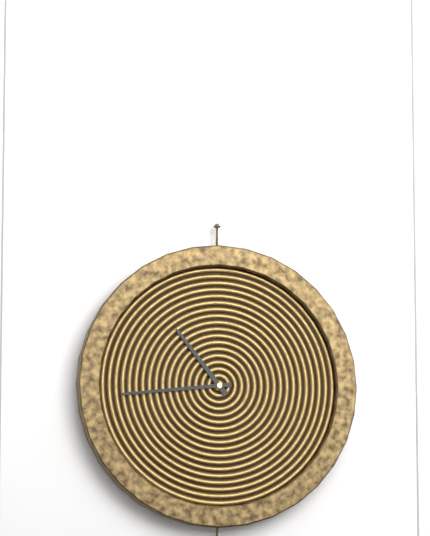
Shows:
10,44
